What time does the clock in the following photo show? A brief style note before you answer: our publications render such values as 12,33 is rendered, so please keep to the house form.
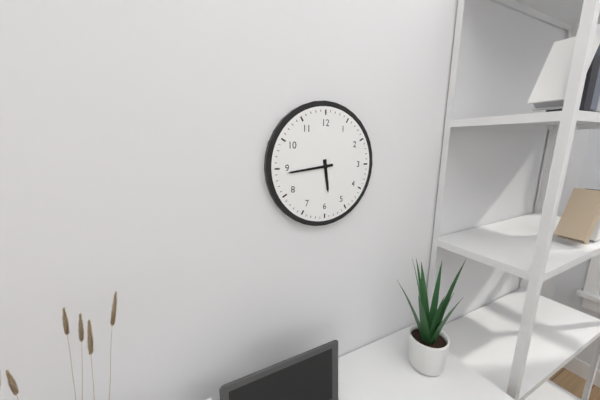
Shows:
5,44
